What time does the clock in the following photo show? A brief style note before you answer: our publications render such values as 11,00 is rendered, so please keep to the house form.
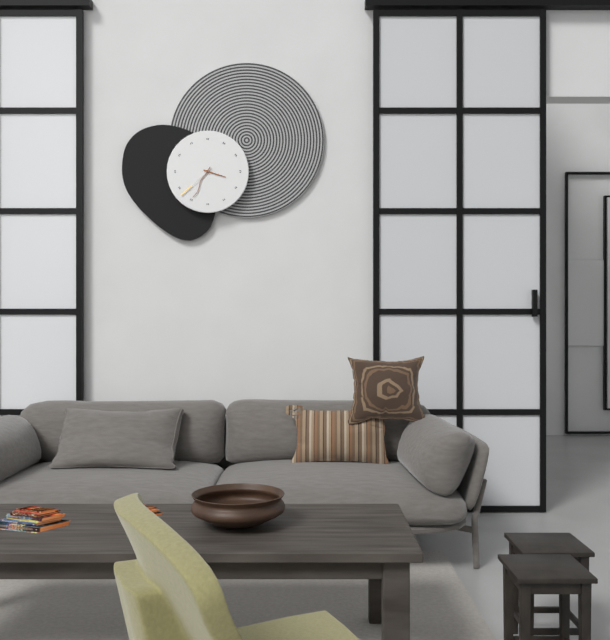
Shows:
3,35
